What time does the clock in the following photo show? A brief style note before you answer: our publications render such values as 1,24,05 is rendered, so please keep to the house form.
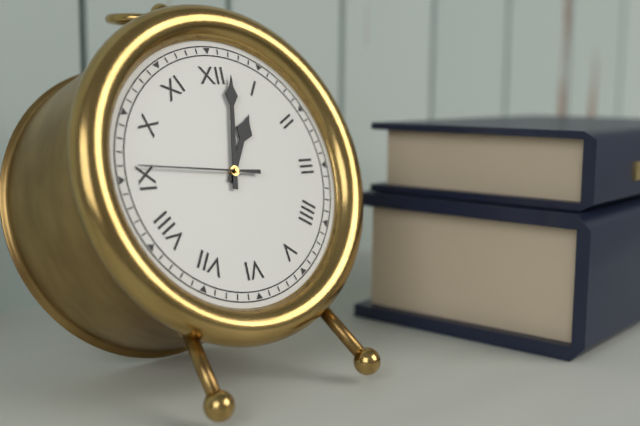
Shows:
1,02,46
